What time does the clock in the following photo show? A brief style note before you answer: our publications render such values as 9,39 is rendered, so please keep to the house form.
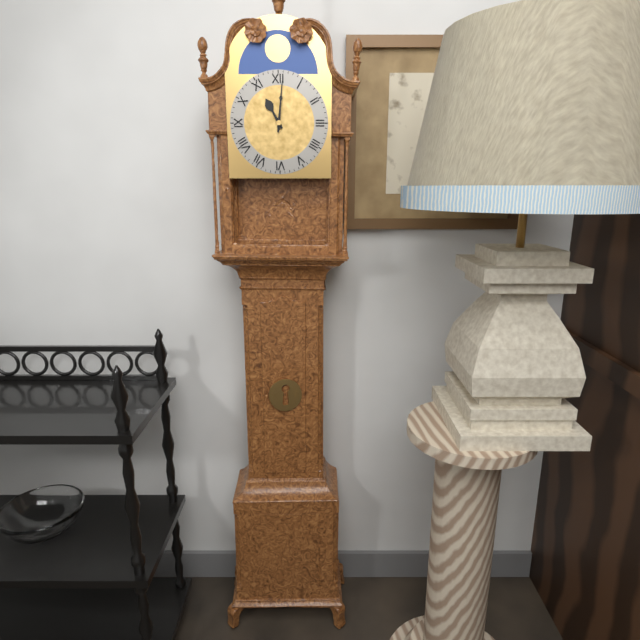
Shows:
11,01
